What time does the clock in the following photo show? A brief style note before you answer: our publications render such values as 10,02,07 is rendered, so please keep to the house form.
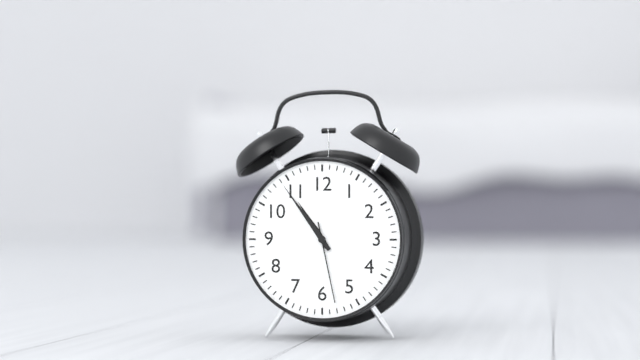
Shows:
10,54,28
